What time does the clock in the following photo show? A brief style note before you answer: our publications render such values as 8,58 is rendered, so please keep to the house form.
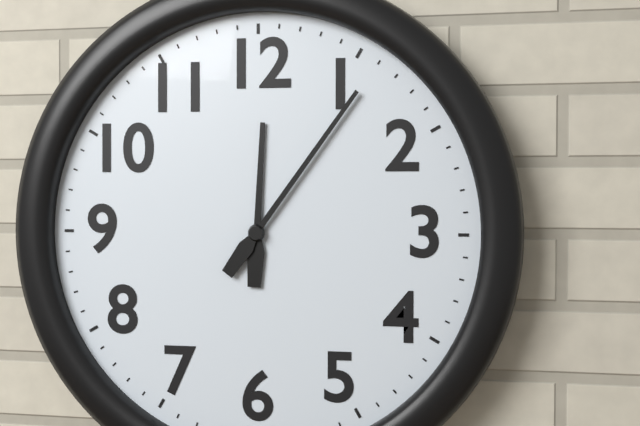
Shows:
12,06
